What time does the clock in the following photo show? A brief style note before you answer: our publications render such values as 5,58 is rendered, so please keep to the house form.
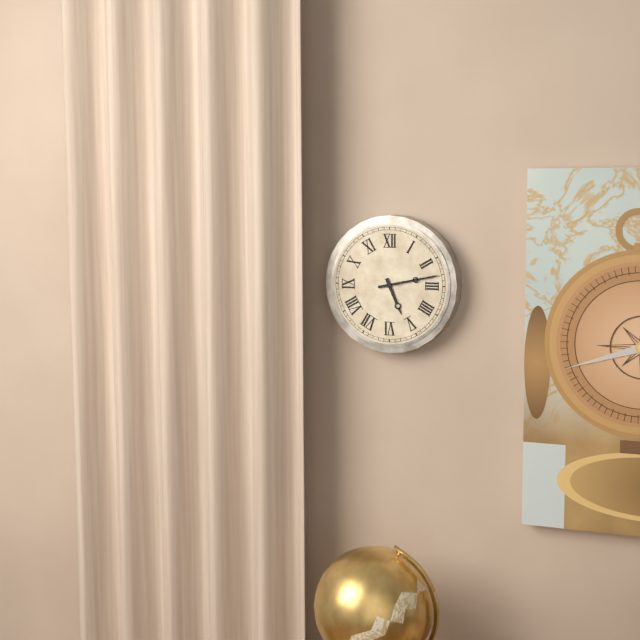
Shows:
5,13
